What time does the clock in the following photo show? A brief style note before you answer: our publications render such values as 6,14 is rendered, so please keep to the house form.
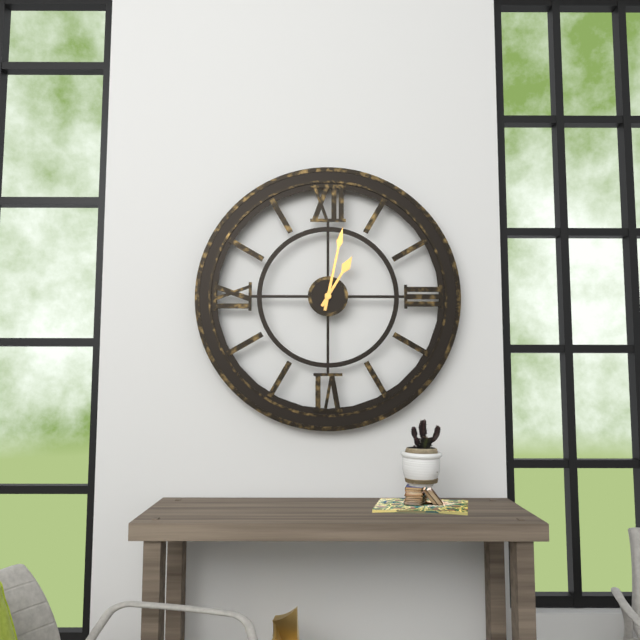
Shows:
1,02
